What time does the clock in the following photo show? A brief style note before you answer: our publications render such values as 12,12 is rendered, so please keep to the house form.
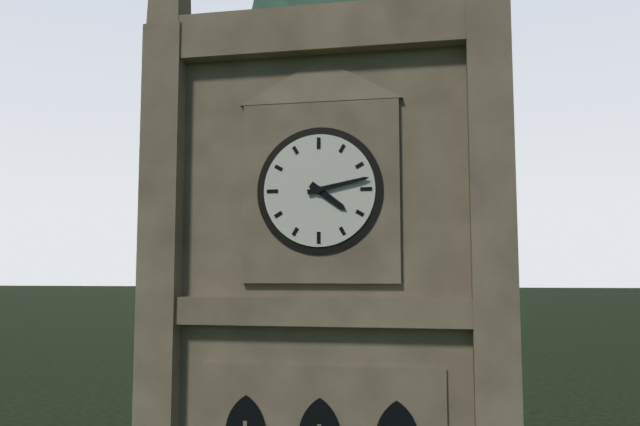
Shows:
4,13
